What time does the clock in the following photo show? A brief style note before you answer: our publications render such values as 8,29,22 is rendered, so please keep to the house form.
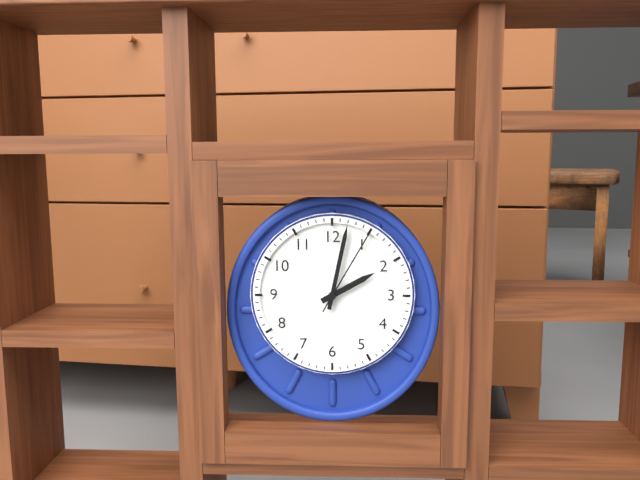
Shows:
2,02,05
